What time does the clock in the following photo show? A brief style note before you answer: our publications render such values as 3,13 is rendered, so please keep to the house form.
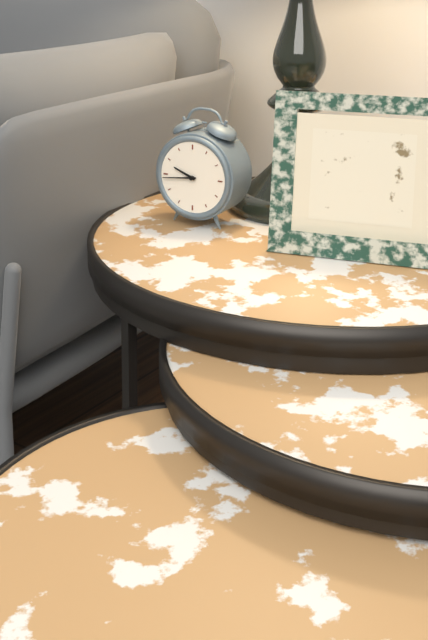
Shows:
9,44
